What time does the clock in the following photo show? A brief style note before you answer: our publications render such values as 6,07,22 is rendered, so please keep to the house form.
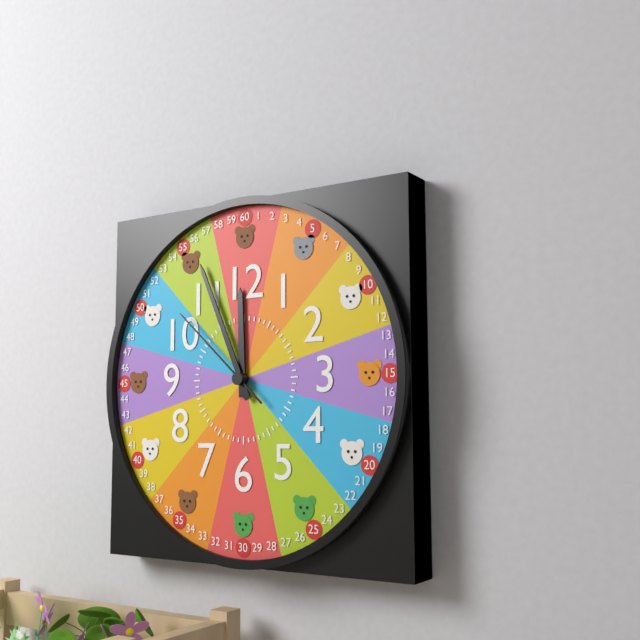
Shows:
11,56,52
